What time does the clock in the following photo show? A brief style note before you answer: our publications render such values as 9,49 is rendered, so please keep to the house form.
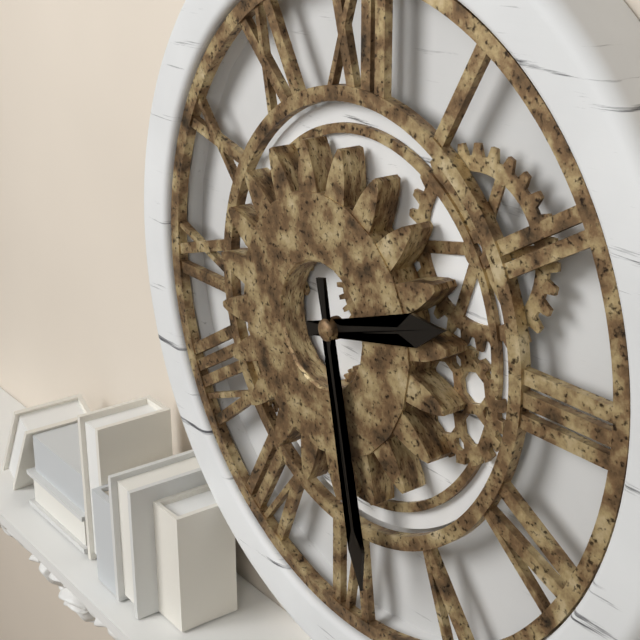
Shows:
2,28
